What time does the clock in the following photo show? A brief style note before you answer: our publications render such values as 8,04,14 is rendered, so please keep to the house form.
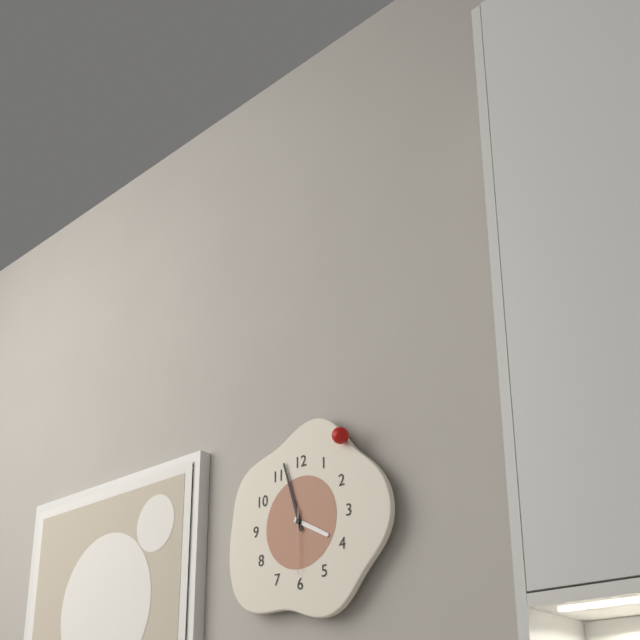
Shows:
3,57,30
